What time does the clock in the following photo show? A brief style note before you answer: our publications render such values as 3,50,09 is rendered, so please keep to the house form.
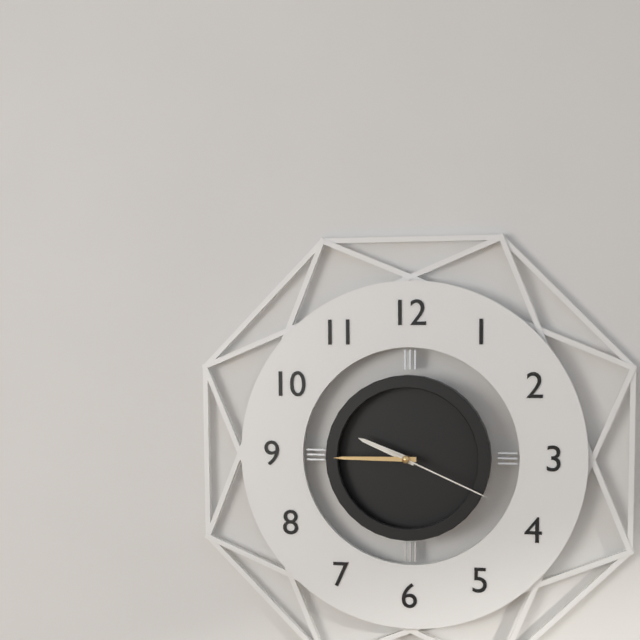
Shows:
9,45,19
